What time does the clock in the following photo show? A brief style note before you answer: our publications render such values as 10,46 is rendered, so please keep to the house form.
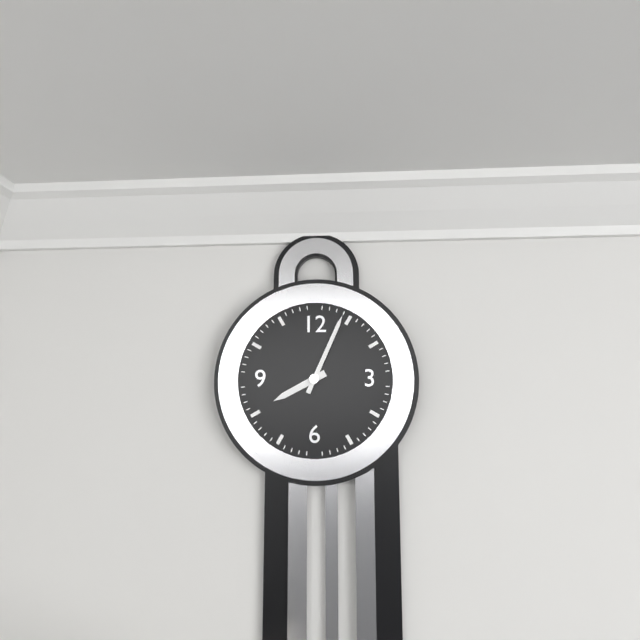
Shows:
8,04
